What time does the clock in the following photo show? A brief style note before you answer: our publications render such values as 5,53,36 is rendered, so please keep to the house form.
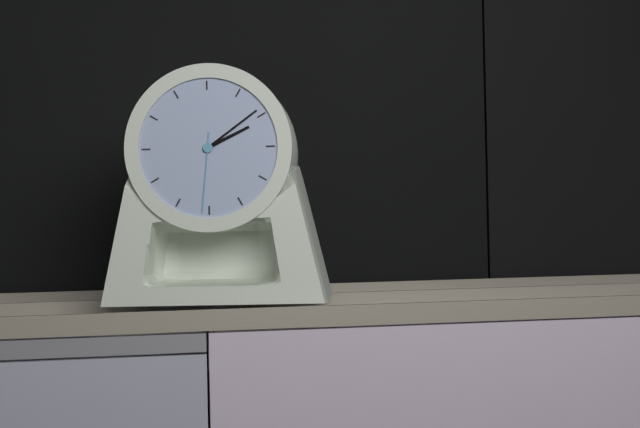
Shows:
2,09,31
